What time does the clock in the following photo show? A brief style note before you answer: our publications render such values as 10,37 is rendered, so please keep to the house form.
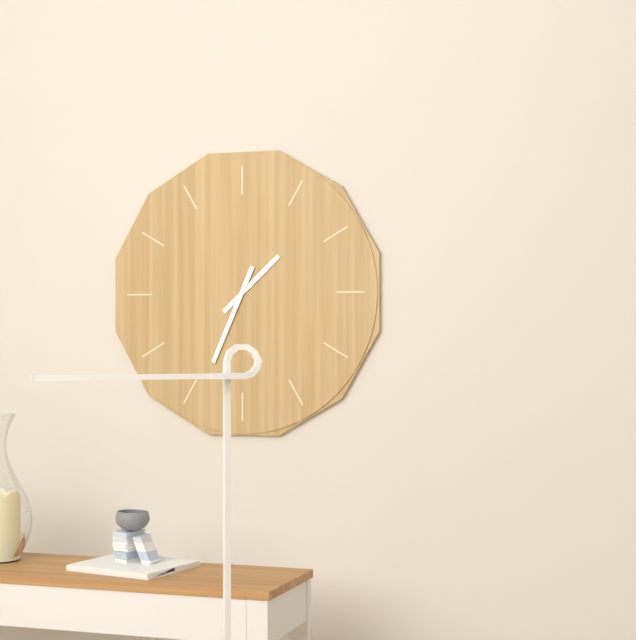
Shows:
1,34
